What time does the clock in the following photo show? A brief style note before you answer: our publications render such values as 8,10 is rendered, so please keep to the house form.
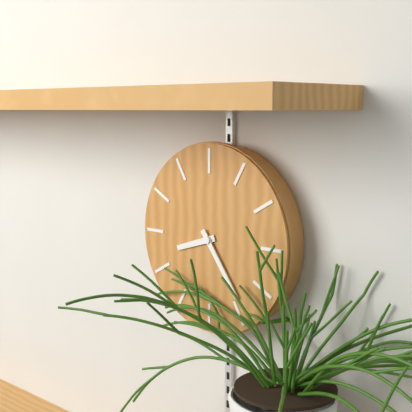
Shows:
8,24
